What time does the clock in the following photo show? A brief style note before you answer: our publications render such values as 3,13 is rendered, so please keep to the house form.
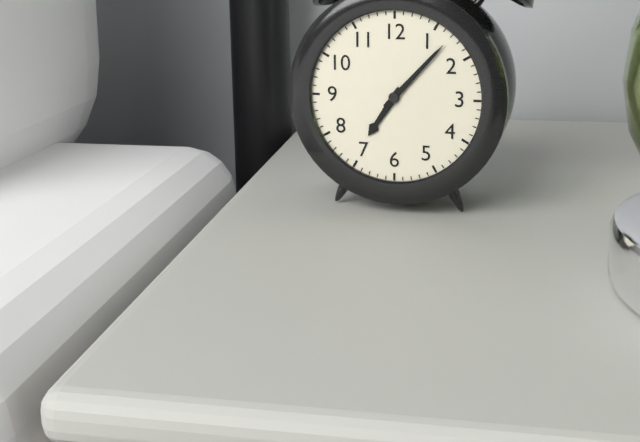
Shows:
7,07
